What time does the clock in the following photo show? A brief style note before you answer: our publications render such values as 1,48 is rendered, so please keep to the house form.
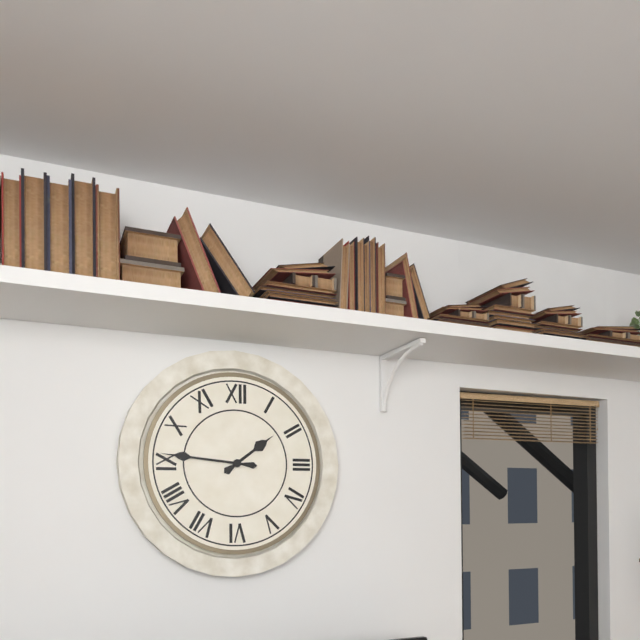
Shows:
1,46
